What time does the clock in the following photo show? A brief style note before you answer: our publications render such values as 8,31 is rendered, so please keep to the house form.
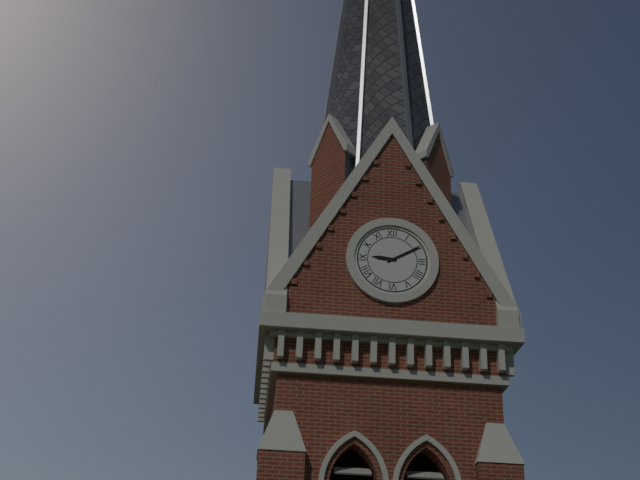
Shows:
9,10
